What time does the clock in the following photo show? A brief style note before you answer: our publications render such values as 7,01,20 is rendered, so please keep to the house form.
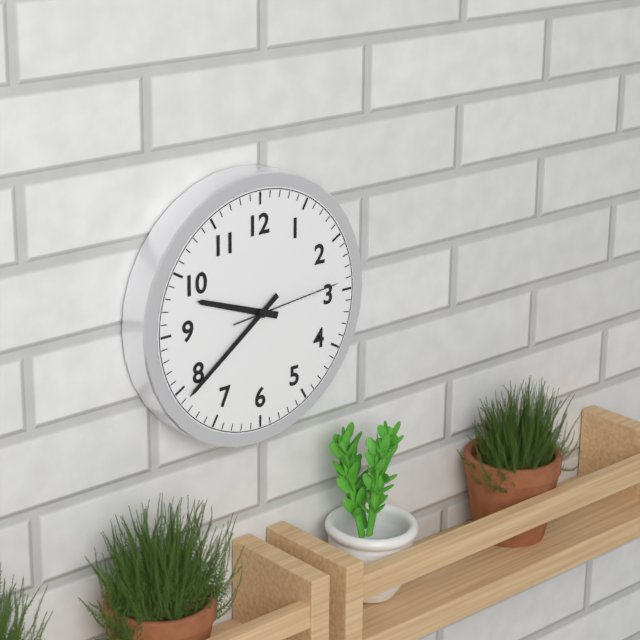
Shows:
9,39,14
